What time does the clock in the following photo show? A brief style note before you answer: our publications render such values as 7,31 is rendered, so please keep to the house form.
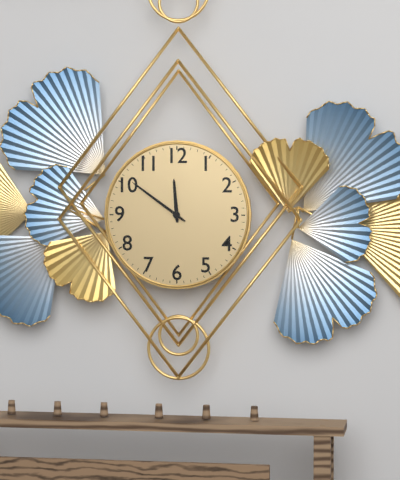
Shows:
11,51
